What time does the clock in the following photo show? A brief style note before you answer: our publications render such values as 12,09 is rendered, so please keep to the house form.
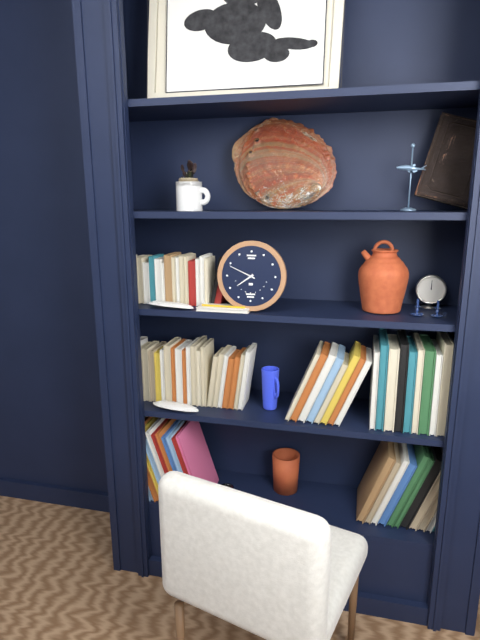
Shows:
7,49
